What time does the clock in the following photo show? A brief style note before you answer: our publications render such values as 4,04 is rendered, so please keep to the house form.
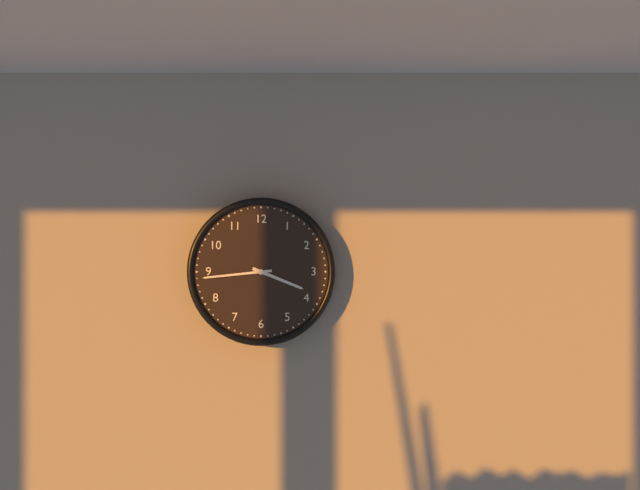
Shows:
3,44
